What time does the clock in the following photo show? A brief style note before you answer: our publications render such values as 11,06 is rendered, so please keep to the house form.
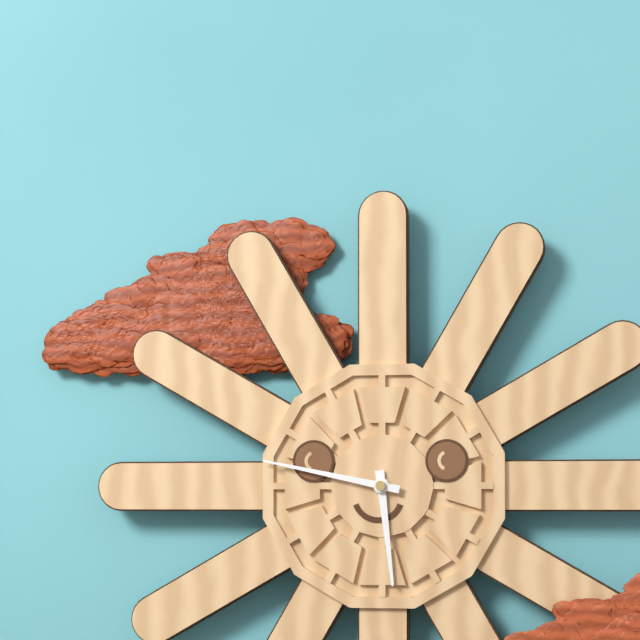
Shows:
5,47
